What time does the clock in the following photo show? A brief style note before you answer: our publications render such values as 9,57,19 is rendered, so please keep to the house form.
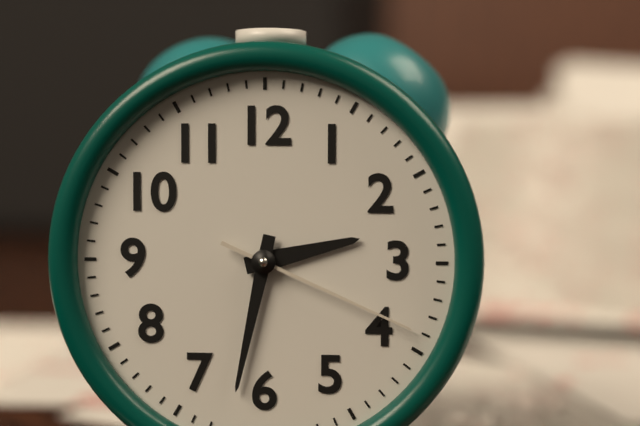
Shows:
2,32,19
